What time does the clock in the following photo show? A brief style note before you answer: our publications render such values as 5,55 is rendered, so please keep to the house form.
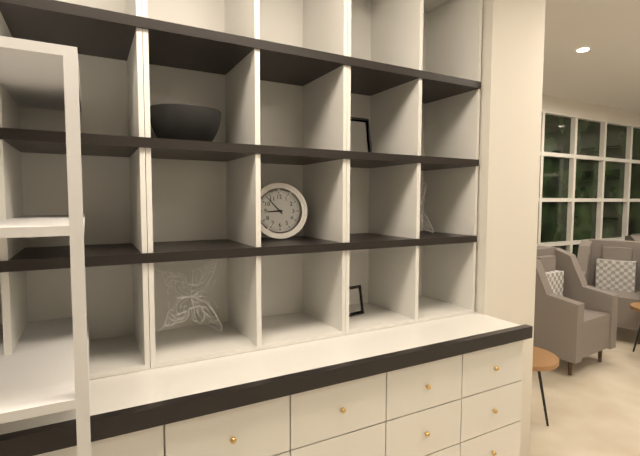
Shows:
8,53
